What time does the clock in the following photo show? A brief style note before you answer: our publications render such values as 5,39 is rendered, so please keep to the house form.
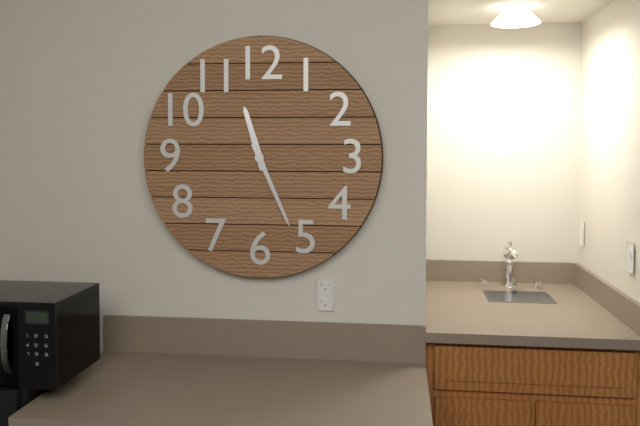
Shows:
11,26
